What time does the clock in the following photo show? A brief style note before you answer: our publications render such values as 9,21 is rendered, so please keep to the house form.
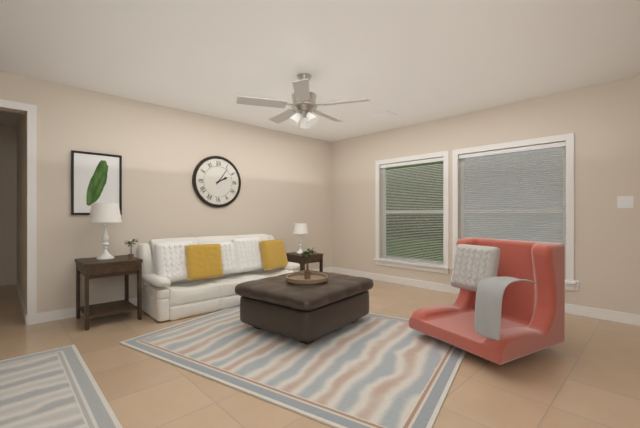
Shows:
2,06
